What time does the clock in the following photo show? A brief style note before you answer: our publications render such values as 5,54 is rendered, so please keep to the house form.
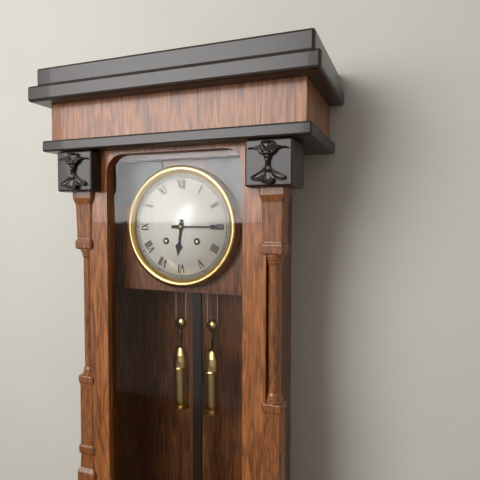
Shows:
6,15
